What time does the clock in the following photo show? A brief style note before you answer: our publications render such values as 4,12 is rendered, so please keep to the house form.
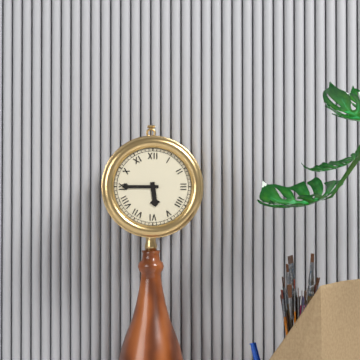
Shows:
5,45
